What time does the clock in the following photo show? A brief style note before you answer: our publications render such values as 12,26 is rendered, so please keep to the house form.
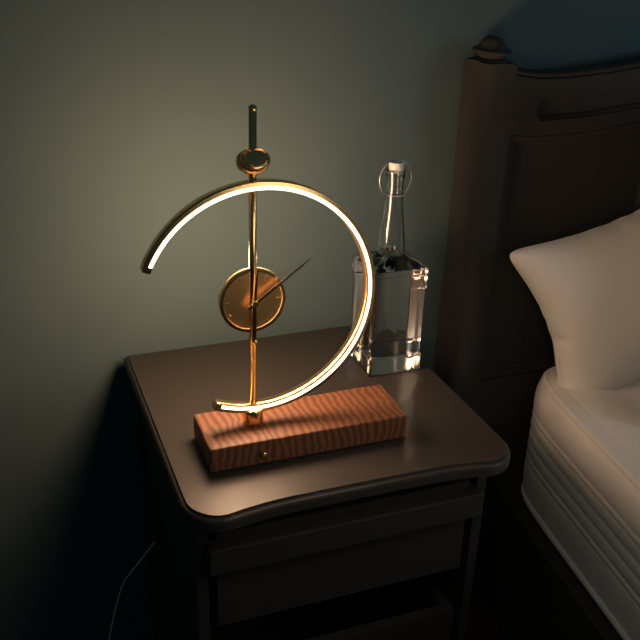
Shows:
12,09
